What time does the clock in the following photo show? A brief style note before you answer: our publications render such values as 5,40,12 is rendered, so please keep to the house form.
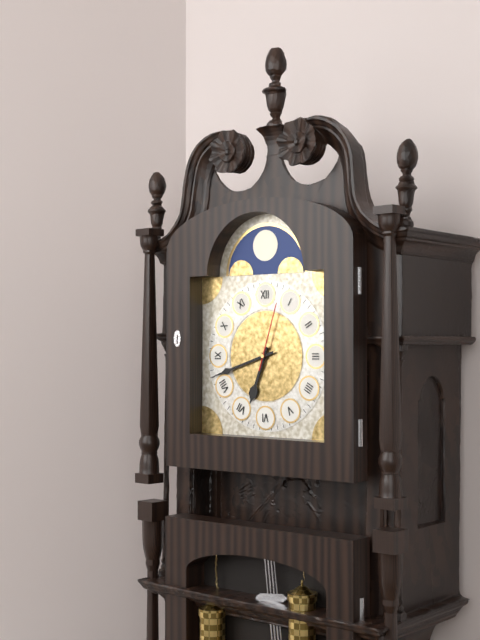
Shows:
6,42,03
